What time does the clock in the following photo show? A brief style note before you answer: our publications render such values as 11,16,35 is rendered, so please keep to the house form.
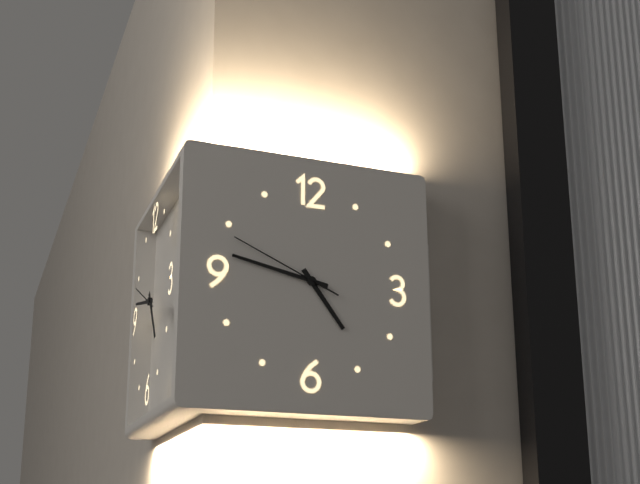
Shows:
4,47,49
